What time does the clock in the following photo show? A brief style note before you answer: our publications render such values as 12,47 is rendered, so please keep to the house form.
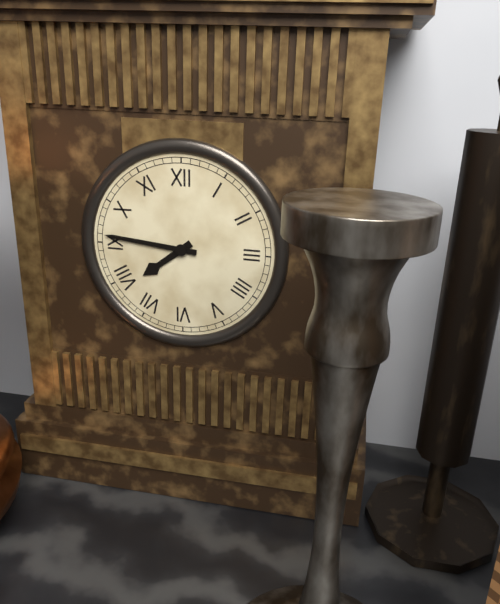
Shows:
7,46
